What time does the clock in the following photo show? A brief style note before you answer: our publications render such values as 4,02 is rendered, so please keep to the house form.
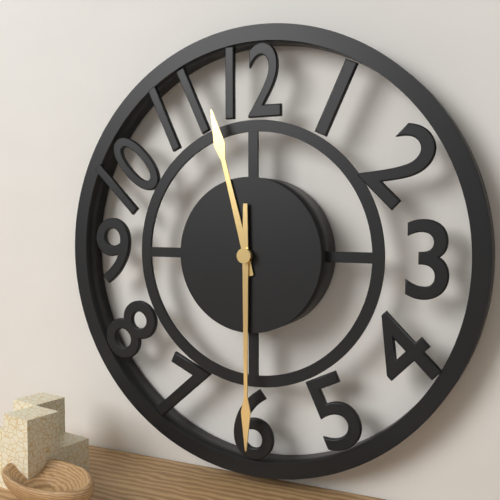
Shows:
11,30
